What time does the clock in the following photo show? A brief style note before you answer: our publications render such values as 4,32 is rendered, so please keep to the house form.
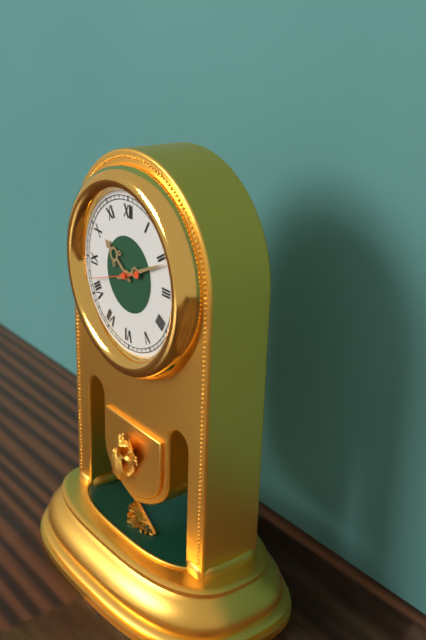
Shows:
10,11
